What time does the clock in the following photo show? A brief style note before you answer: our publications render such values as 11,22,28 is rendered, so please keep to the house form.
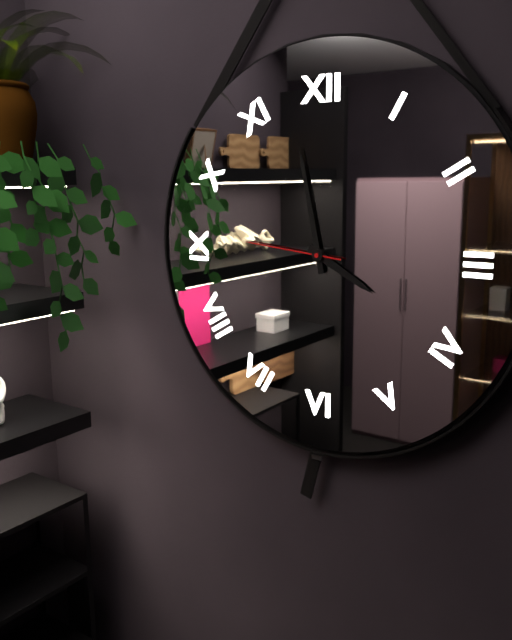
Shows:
3,58,46
